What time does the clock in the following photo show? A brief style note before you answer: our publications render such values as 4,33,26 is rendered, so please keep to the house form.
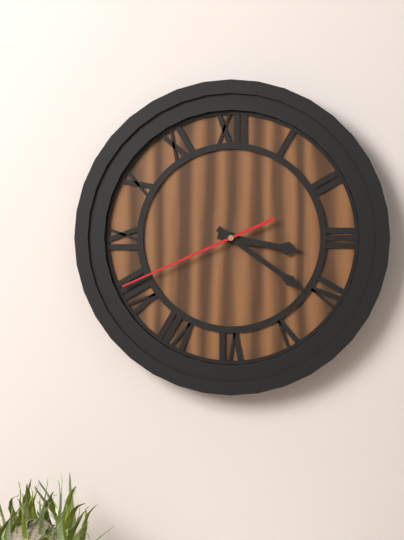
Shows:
3,21,41
